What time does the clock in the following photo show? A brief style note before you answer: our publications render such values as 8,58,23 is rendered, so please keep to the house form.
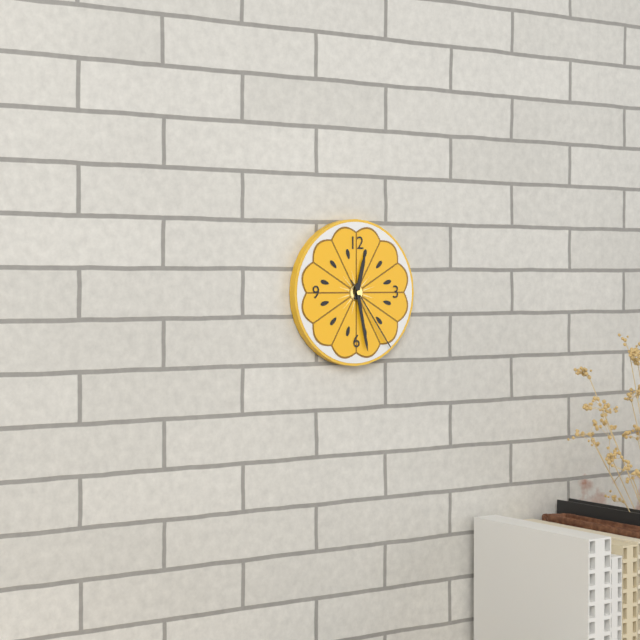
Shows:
12,28,24
